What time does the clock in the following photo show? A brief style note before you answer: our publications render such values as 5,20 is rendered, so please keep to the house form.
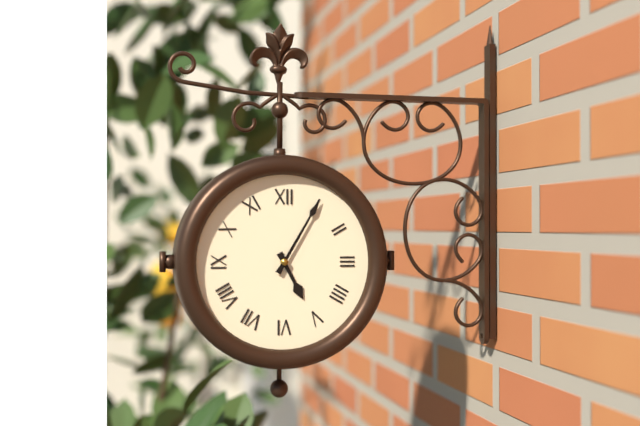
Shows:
5,05
